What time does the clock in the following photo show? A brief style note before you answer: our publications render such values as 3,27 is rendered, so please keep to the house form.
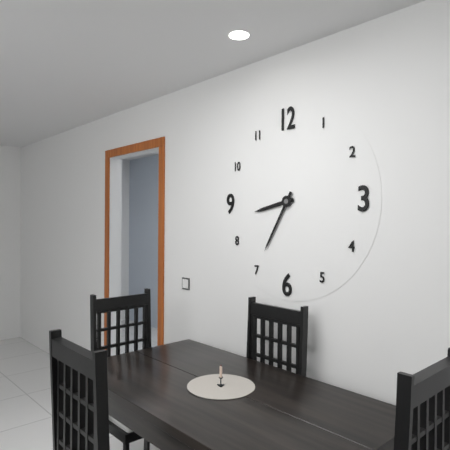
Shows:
8,35
